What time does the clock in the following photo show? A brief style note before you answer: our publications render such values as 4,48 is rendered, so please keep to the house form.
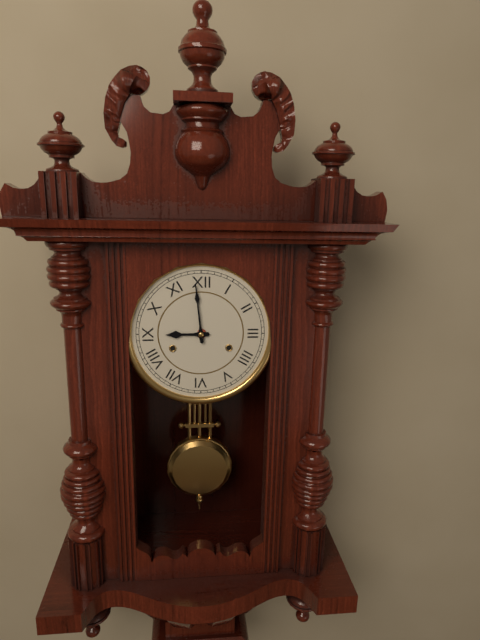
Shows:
8,59
